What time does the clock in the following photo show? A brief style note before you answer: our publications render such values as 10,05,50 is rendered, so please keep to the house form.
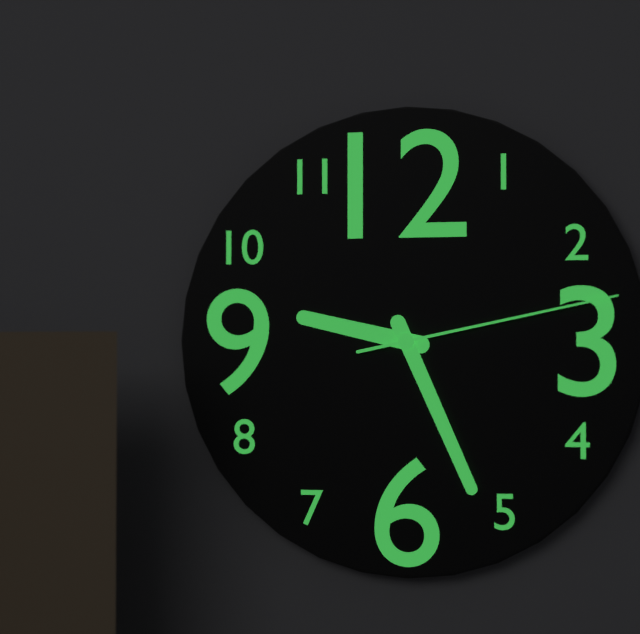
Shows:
9,26,13
